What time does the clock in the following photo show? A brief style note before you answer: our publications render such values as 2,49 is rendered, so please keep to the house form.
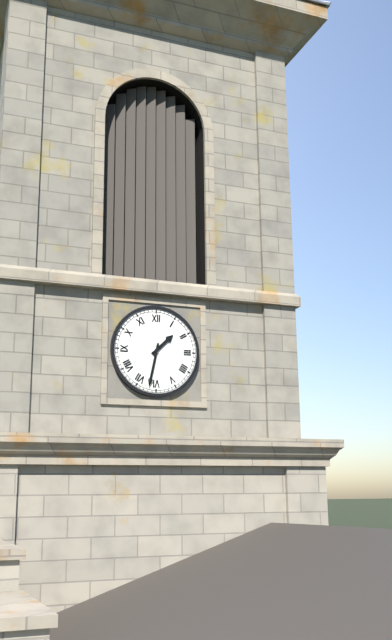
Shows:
1,32
